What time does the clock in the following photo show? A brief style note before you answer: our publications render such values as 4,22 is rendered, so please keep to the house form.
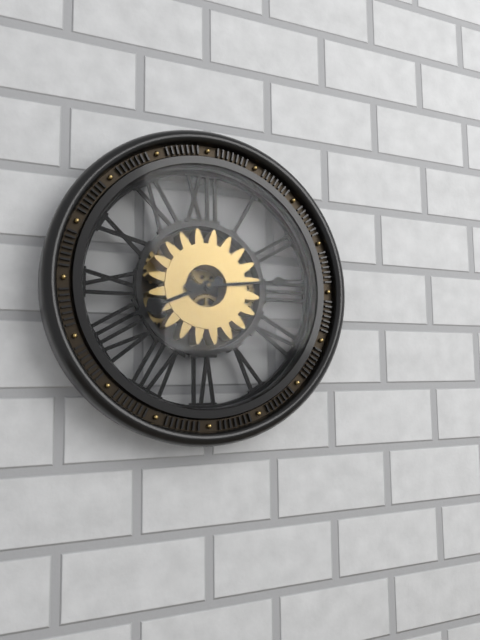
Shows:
8,14
